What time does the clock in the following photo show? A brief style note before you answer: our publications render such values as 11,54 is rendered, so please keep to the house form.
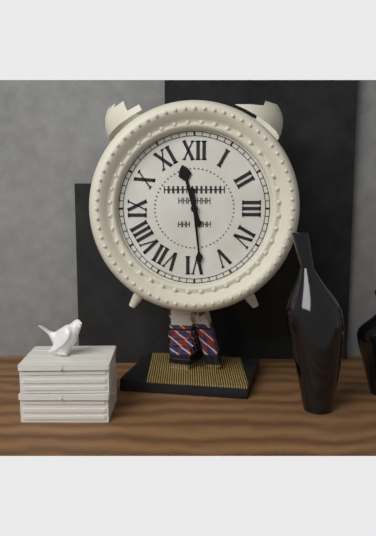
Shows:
11,29
